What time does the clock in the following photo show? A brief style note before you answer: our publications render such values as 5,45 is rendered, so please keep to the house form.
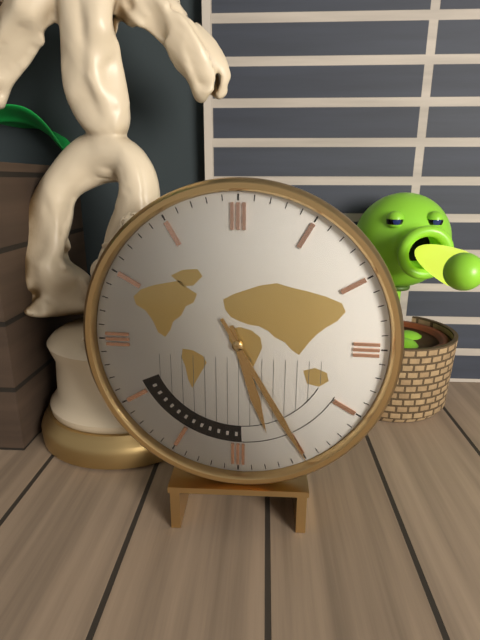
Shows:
5,25
